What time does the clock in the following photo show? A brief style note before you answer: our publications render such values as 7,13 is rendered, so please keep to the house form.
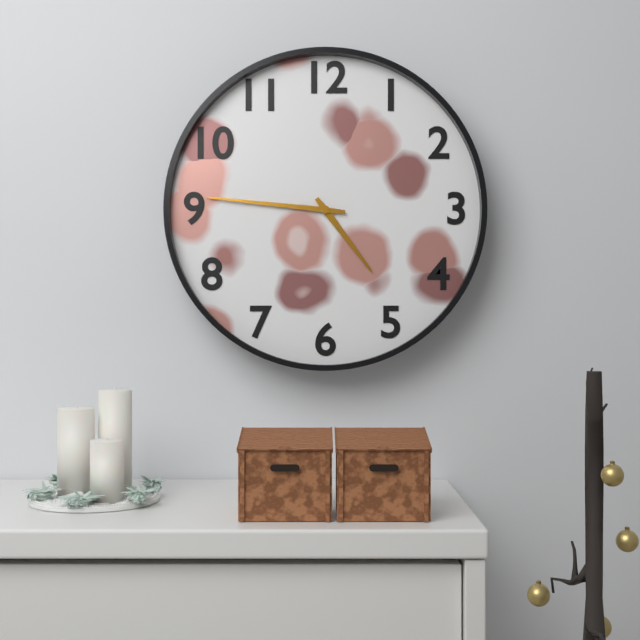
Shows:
4,46
